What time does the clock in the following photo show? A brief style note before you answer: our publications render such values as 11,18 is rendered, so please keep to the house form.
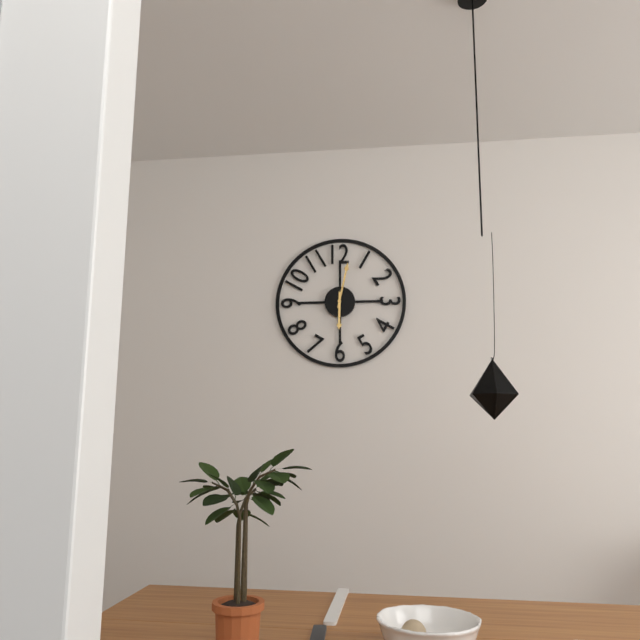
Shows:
6,02
